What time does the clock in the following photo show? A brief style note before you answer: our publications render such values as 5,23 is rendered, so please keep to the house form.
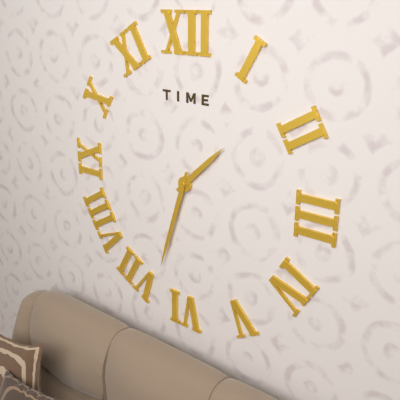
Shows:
1,33
